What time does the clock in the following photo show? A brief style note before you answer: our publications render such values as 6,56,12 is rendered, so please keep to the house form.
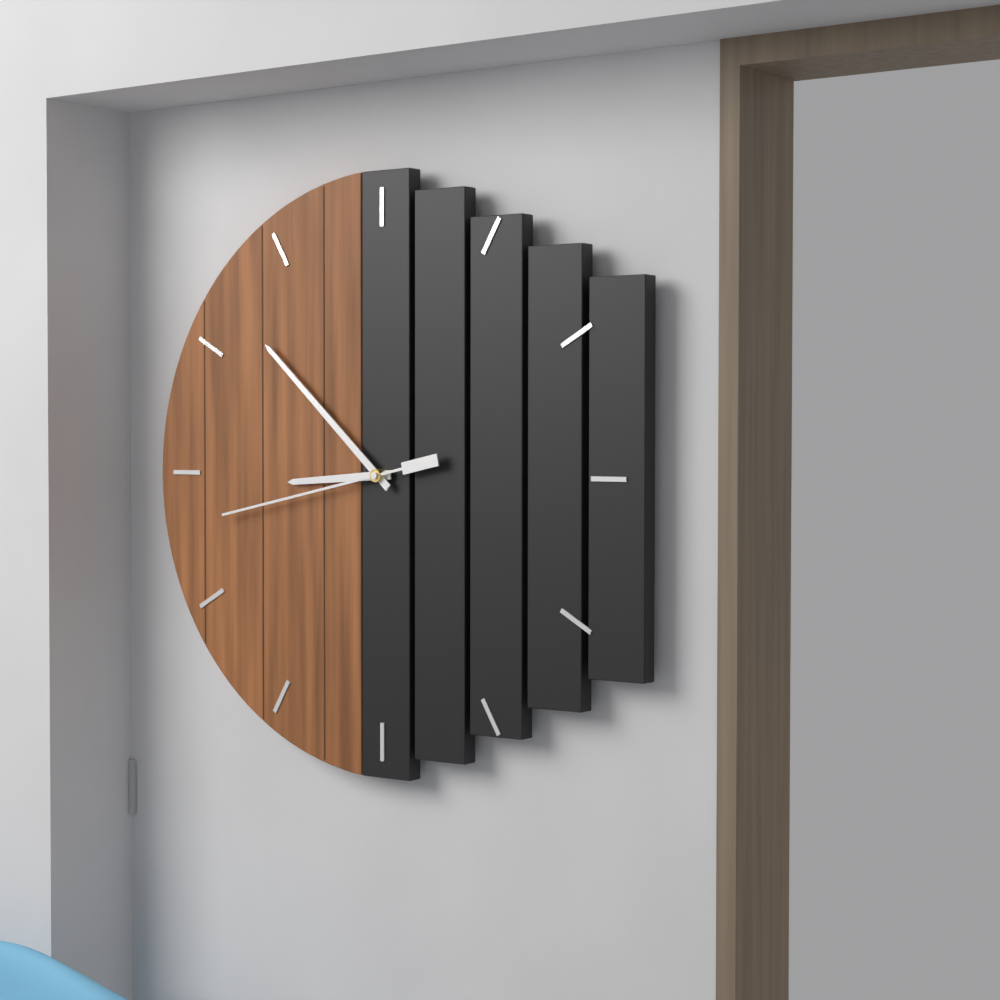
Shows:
8,52,43
